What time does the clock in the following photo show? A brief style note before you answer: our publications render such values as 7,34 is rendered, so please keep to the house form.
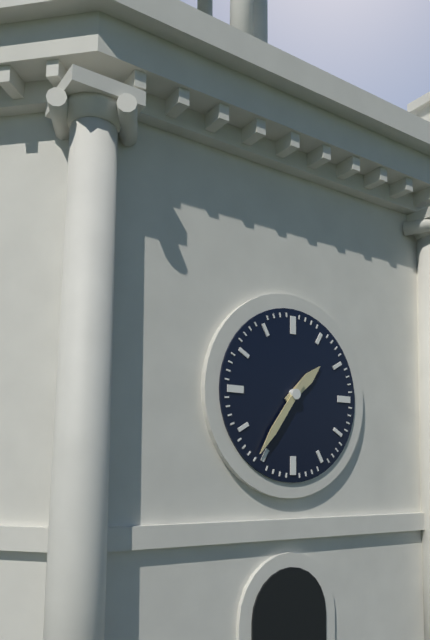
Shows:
1,36
